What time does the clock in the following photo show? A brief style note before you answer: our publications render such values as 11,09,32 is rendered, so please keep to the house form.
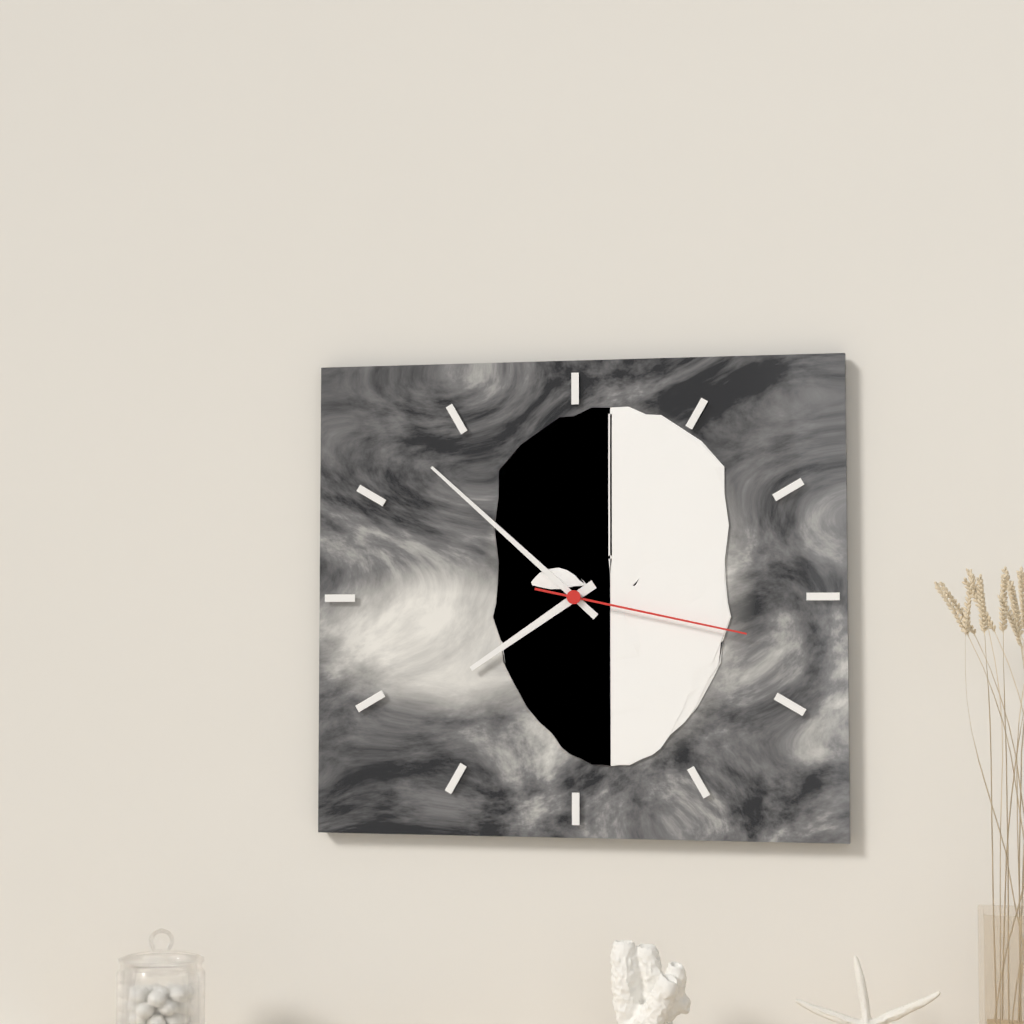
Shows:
7,52,17
